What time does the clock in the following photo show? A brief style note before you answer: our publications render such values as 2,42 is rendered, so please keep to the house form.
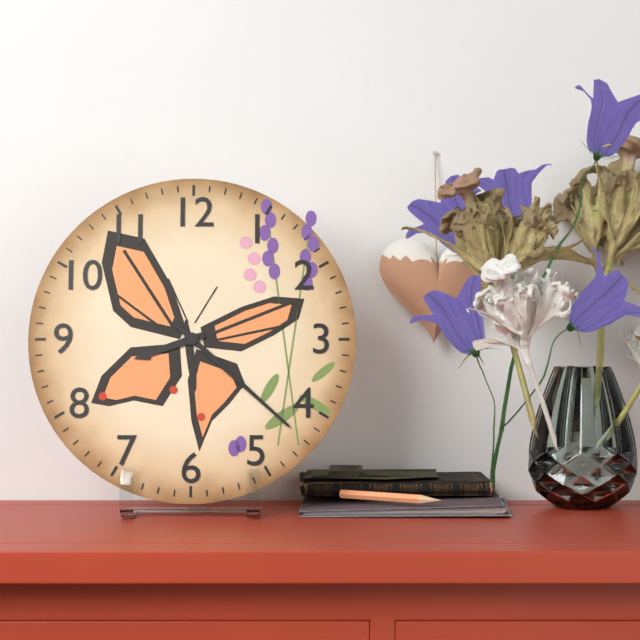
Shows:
8,22
